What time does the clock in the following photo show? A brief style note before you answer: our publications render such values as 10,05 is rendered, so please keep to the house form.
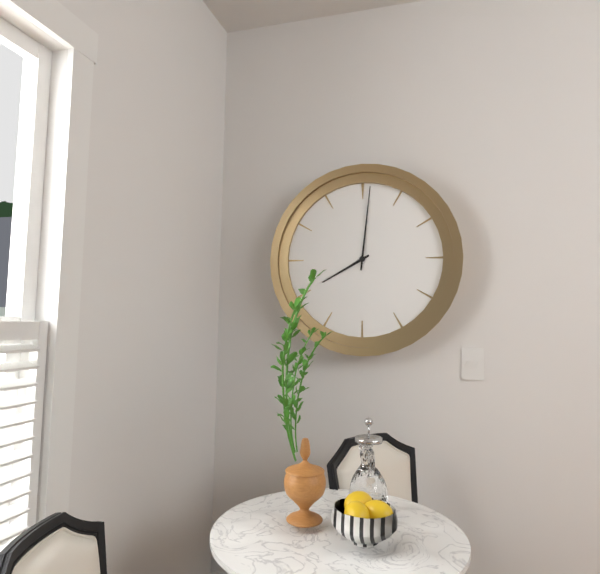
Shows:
8,01
